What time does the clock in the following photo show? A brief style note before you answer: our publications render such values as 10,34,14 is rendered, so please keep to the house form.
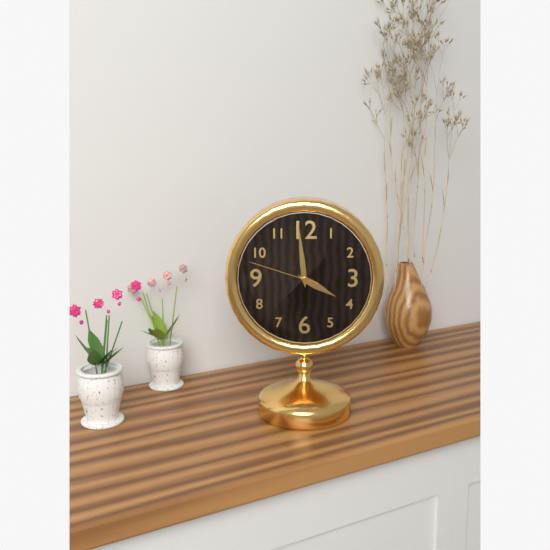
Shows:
3,59,48
